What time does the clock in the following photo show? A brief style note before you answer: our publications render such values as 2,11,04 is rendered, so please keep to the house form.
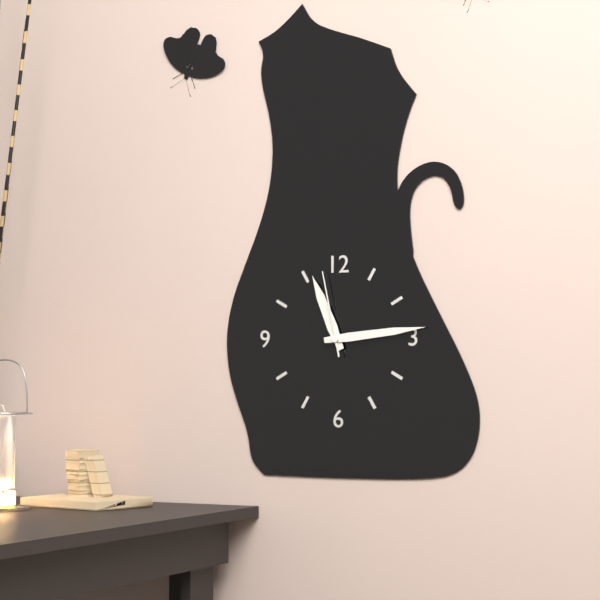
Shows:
11,14,58
